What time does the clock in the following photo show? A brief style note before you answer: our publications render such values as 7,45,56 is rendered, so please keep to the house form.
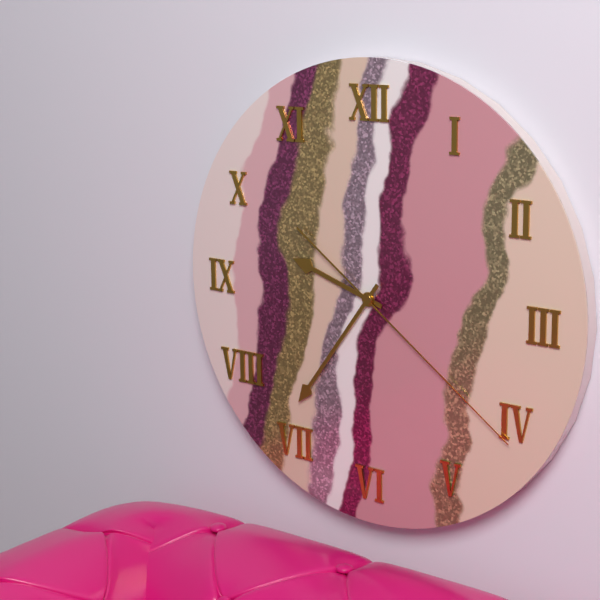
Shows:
9,36,21
